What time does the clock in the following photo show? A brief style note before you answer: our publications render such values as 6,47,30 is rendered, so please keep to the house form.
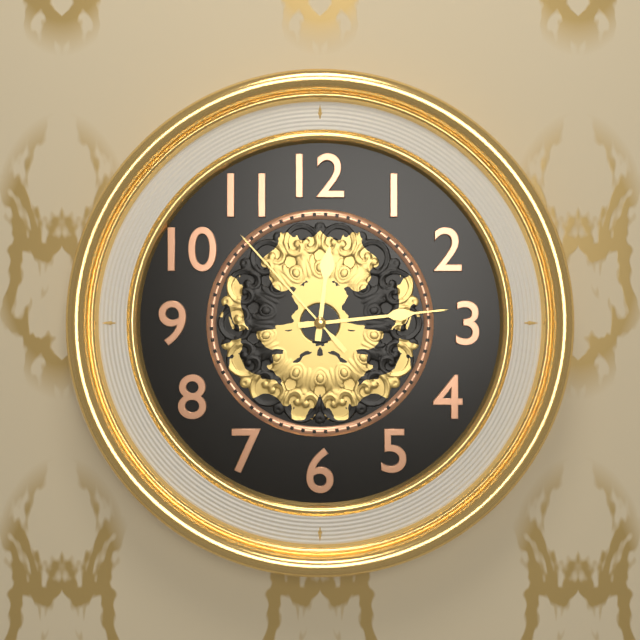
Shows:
12,14,53
